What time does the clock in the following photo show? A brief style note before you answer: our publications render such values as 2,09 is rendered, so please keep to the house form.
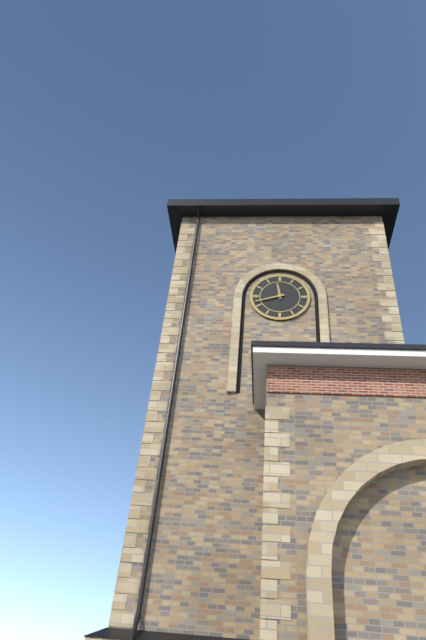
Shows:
11,42
